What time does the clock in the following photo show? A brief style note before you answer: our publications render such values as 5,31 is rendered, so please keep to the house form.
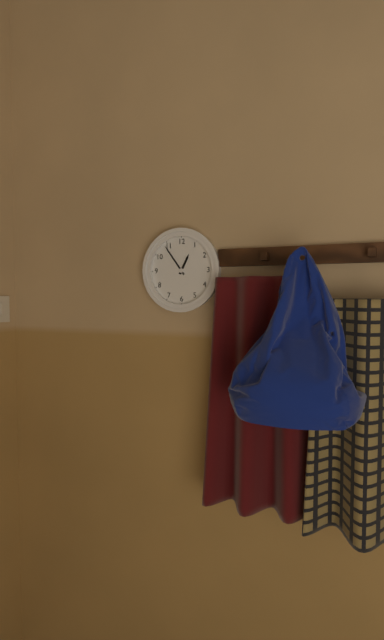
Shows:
12,54
